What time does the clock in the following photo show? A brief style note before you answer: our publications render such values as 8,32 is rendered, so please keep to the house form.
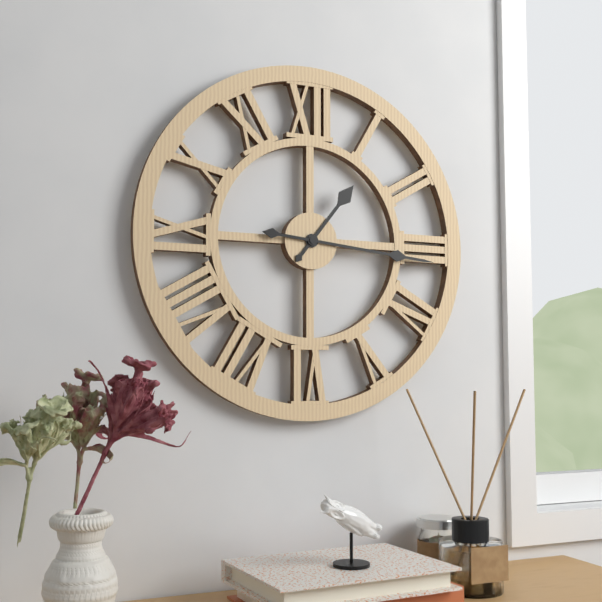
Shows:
1,16
